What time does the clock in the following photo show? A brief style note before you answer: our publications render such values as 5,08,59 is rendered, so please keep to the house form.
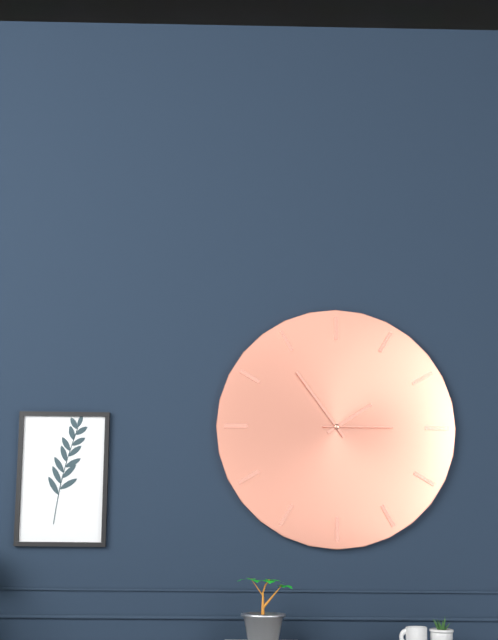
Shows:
1,54,15
